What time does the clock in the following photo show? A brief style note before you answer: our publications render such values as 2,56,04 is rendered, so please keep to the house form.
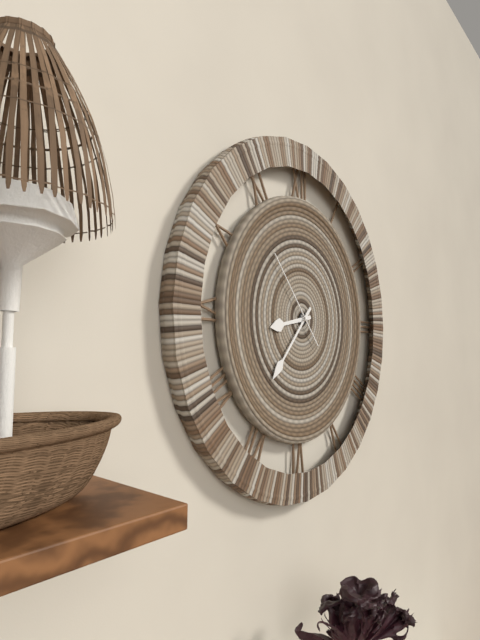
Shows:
8,37,53
